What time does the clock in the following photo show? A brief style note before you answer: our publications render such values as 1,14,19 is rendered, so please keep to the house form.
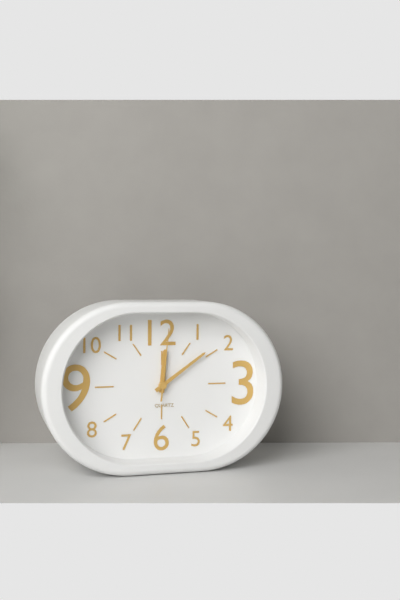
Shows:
12,09,01
